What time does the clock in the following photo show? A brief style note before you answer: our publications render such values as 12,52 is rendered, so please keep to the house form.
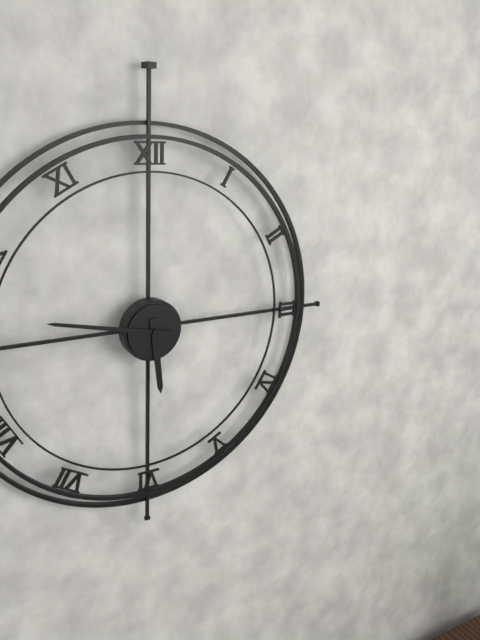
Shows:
5,47
